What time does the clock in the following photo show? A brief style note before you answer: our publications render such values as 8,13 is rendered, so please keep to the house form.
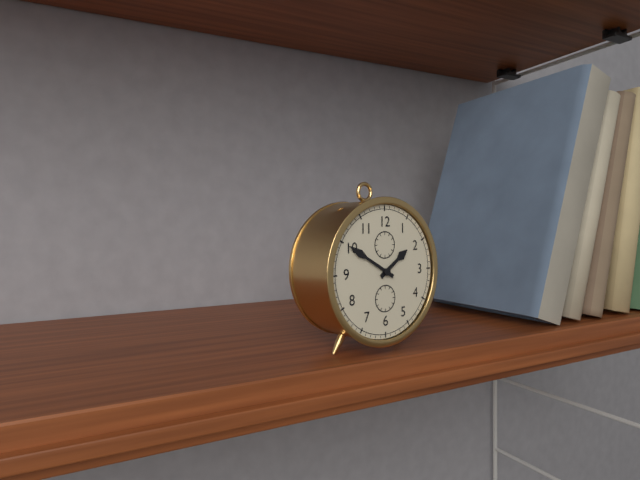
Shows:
1,50
